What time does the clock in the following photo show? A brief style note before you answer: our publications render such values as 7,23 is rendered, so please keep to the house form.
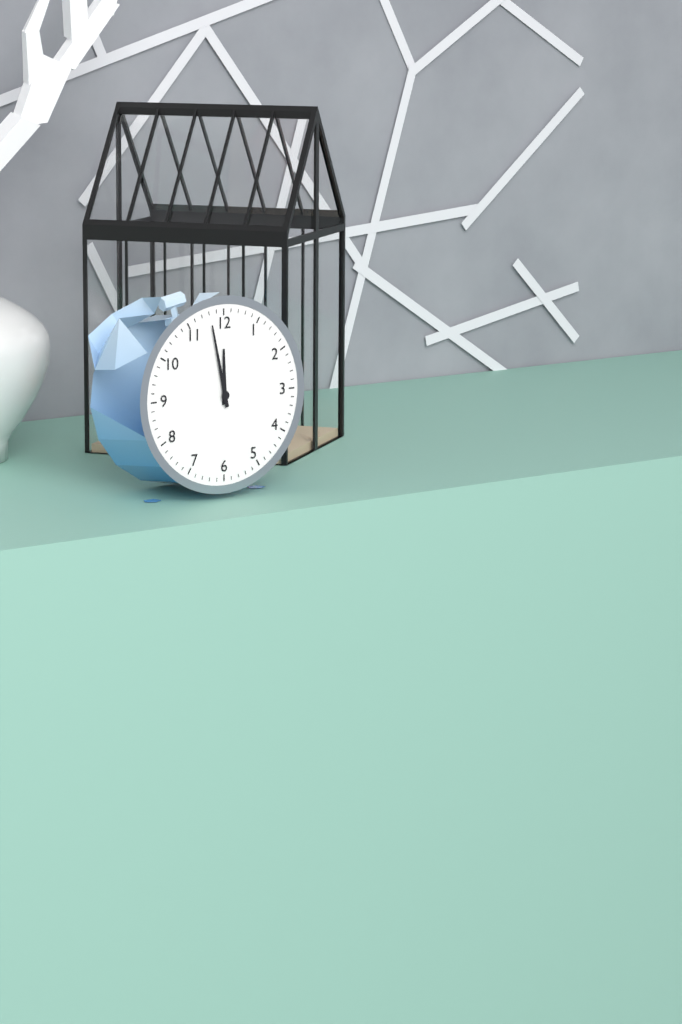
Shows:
11,58
